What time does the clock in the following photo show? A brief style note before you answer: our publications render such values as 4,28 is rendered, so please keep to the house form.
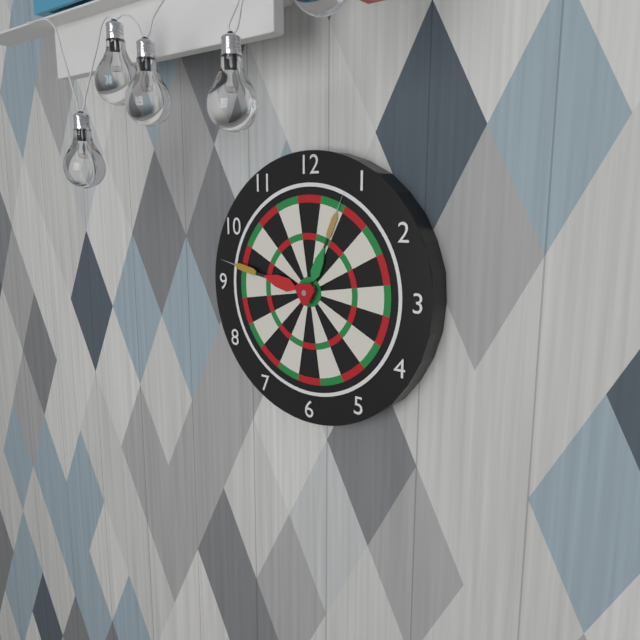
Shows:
12,47
